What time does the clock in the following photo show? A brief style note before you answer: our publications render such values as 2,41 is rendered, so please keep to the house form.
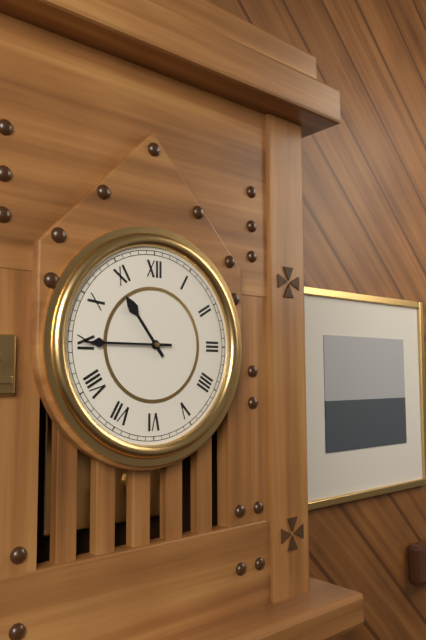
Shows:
10,45
